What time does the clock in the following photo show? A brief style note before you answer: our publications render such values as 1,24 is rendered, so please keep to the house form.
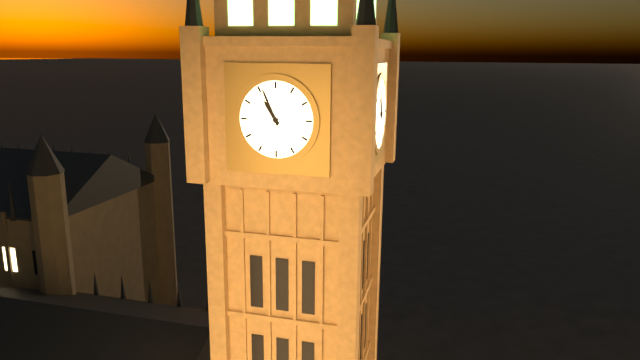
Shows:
10,56
